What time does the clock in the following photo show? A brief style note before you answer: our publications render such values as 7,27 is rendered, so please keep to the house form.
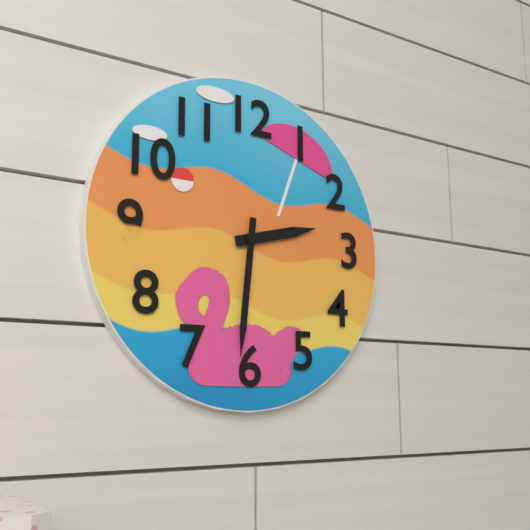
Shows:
2,31
